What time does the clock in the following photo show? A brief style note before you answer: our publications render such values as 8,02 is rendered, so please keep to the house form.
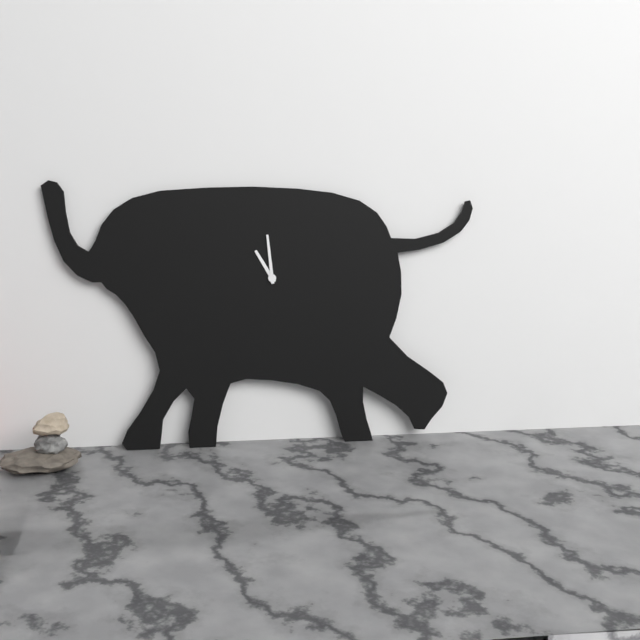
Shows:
10,59
